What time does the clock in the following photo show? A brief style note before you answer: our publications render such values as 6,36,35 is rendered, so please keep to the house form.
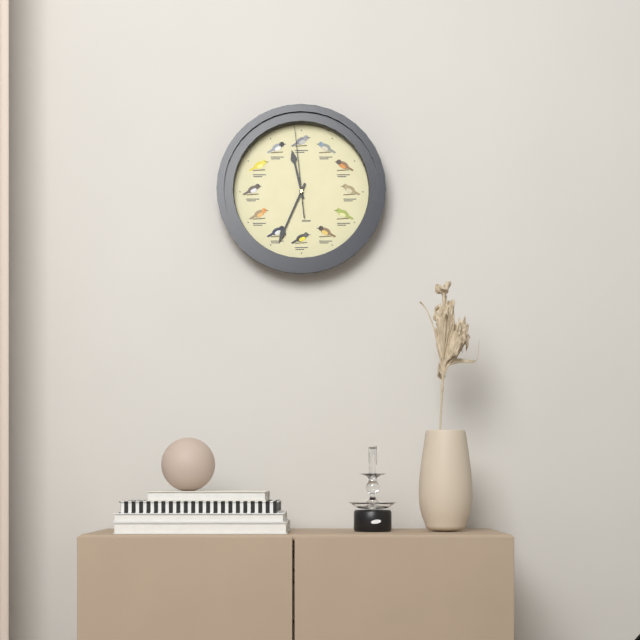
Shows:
11,34,59
